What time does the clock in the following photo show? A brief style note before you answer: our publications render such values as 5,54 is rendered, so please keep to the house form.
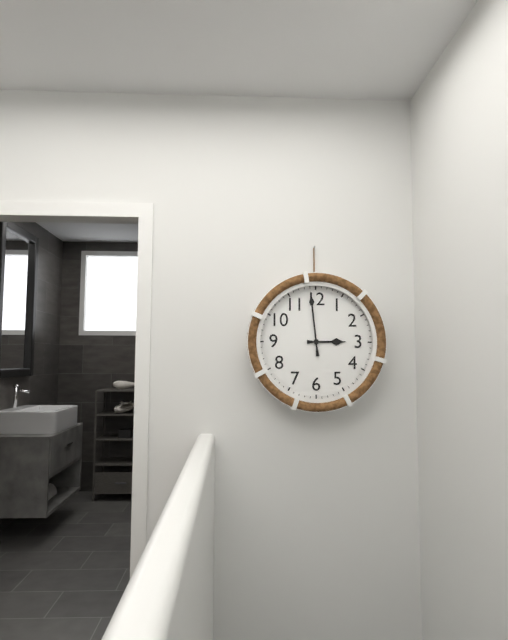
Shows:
2,59
